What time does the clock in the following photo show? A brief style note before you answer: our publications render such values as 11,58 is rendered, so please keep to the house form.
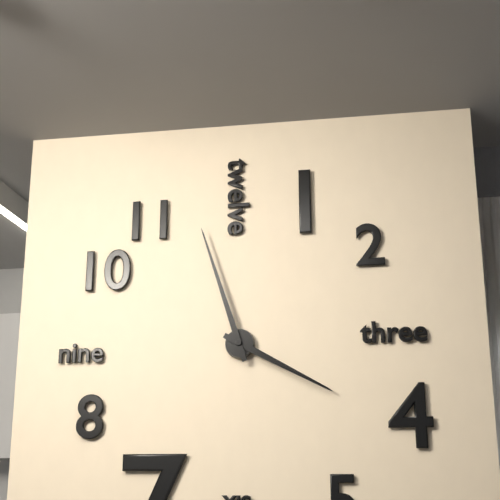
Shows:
3,57
